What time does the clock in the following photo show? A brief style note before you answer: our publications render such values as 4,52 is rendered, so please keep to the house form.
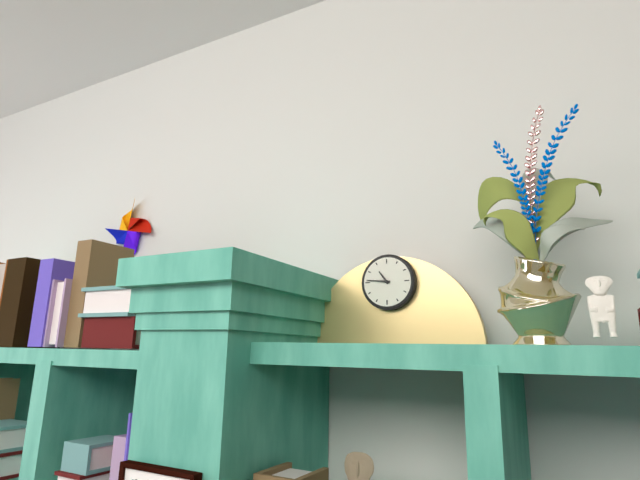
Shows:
10,46
